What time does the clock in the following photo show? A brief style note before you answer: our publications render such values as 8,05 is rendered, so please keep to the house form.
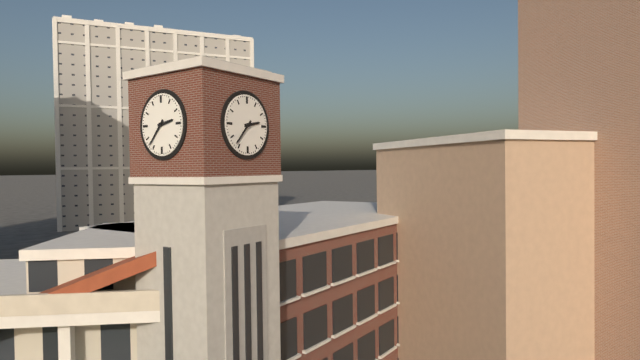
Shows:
2,37
